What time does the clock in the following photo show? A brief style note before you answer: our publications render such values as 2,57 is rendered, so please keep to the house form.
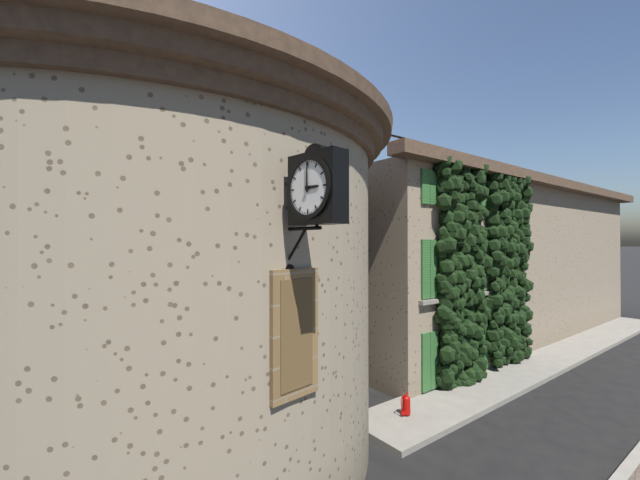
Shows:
3,00
